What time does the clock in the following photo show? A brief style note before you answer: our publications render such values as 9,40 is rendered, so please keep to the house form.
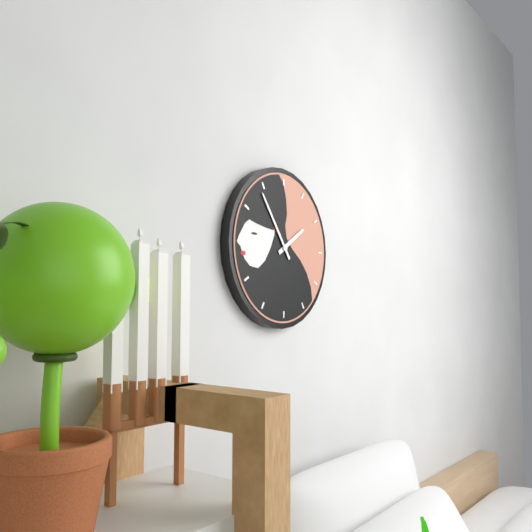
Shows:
1,54
